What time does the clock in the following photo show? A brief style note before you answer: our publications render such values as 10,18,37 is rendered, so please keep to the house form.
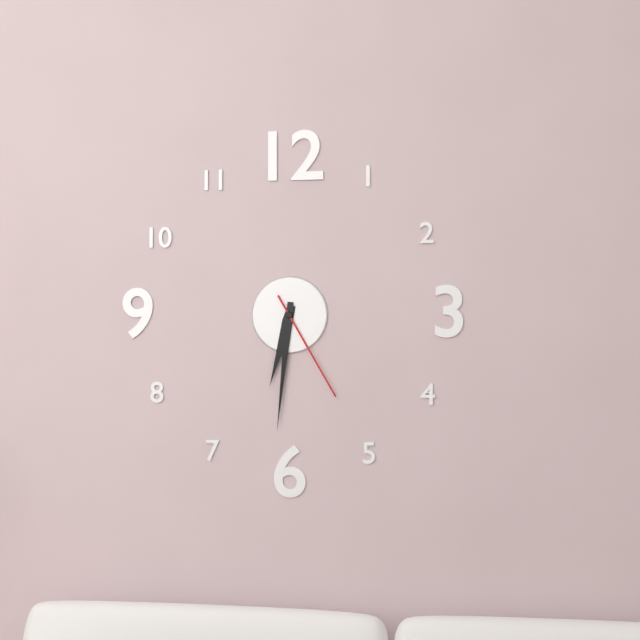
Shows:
6,31,25
